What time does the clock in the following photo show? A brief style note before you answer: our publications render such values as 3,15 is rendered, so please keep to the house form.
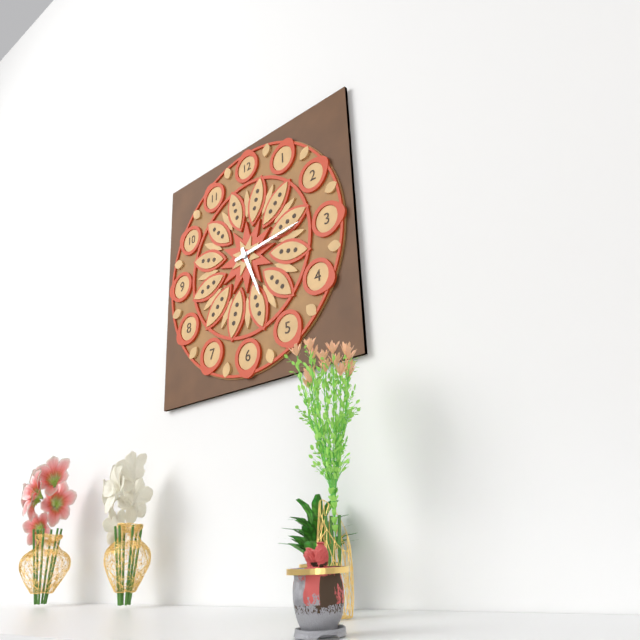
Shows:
5,14
